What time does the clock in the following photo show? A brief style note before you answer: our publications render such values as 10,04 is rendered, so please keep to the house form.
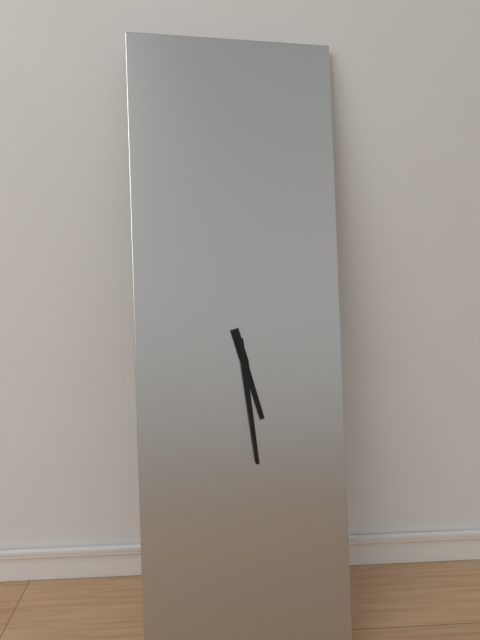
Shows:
5,29
